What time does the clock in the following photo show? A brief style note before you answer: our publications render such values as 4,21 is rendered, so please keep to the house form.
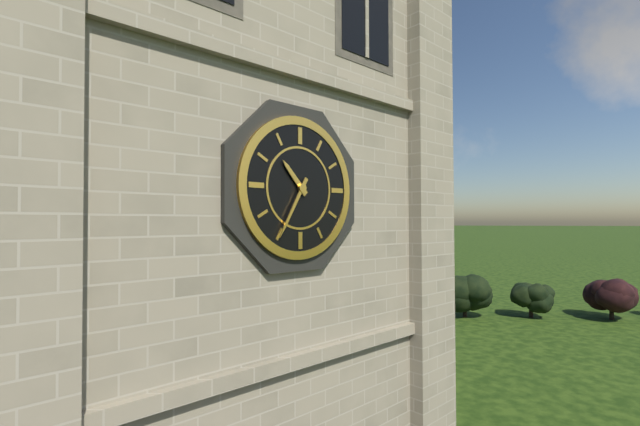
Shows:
10,35
